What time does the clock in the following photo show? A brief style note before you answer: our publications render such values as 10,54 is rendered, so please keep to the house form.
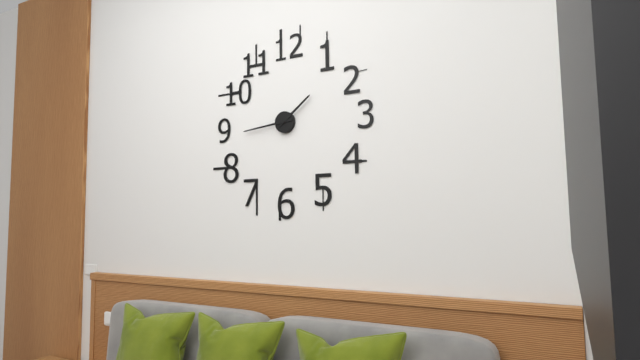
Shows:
1,44
